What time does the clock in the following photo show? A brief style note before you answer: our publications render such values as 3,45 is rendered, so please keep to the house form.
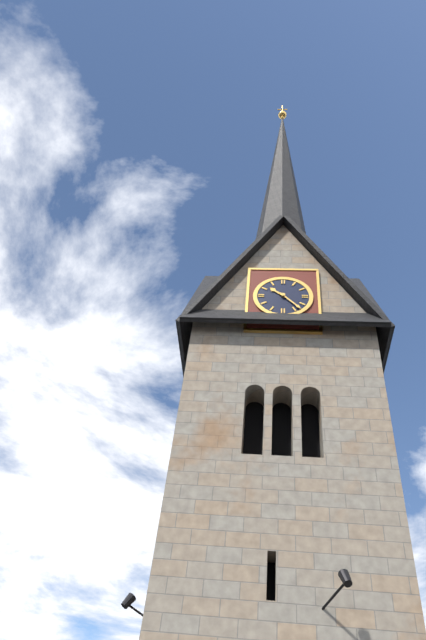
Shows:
10,23
